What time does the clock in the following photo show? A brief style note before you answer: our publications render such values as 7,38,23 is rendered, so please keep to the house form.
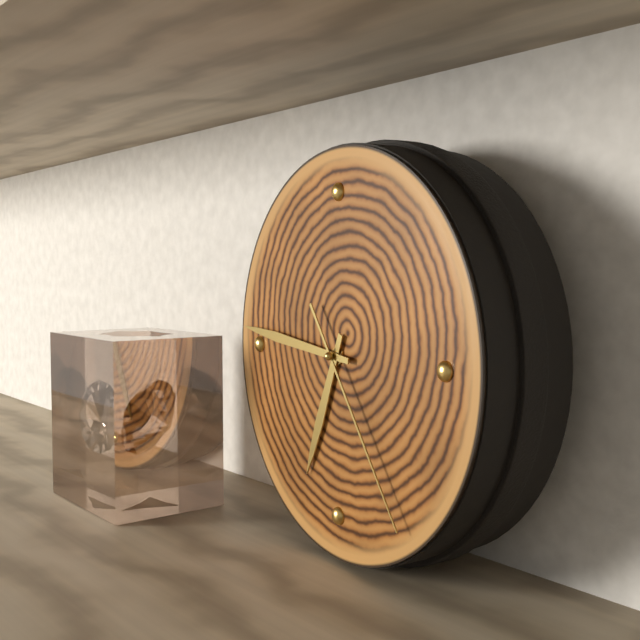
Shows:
6,46,24
